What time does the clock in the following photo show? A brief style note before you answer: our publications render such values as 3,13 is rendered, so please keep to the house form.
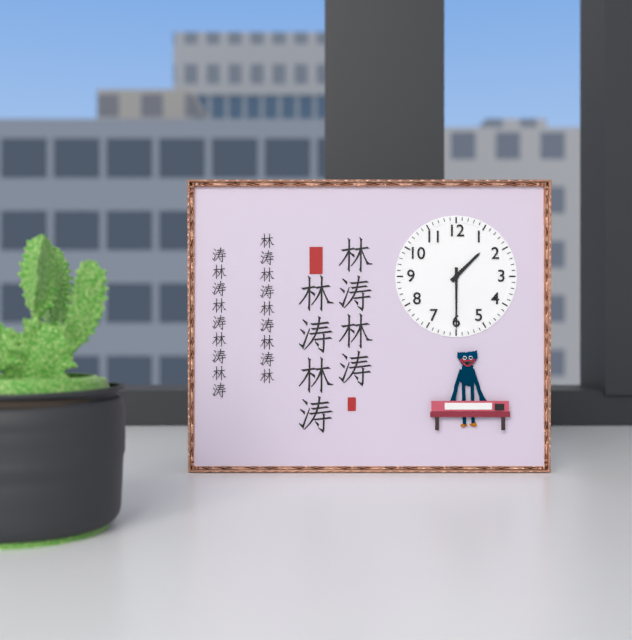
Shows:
1,30
